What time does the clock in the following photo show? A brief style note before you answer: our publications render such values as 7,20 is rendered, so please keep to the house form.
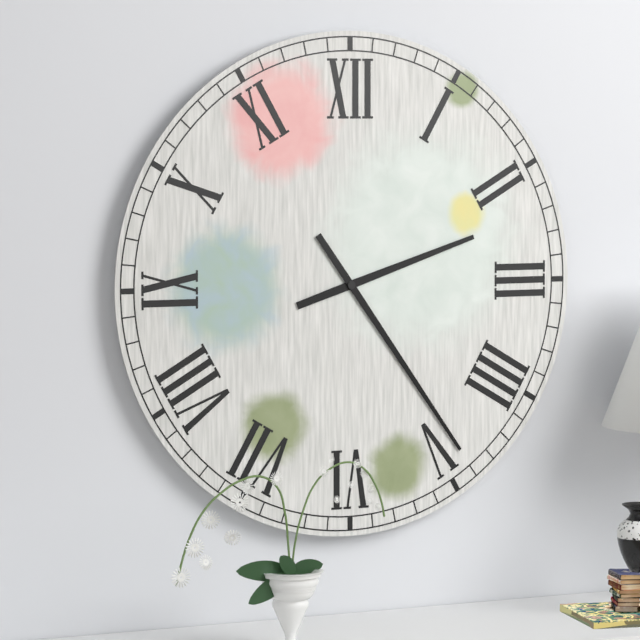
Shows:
2,24
